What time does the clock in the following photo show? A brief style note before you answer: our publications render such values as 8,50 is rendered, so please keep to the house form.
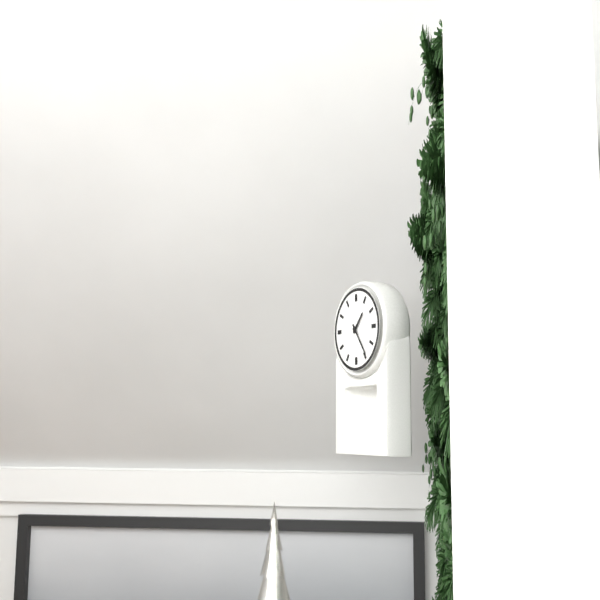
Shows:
1,24
